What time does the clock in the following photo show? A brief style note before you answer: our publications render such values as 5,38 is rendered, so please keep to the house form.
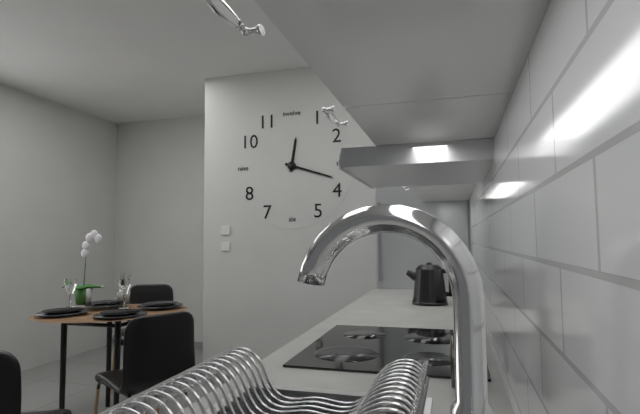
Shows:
12,18
